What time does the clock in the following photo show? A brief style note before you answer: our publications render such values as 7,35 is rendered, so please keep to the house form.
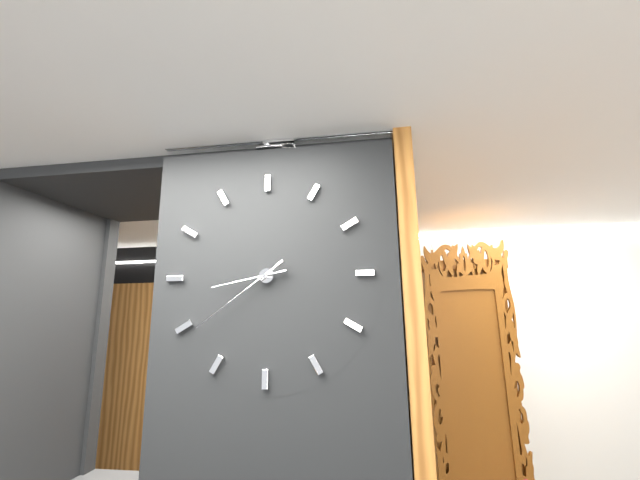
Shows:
8,39
